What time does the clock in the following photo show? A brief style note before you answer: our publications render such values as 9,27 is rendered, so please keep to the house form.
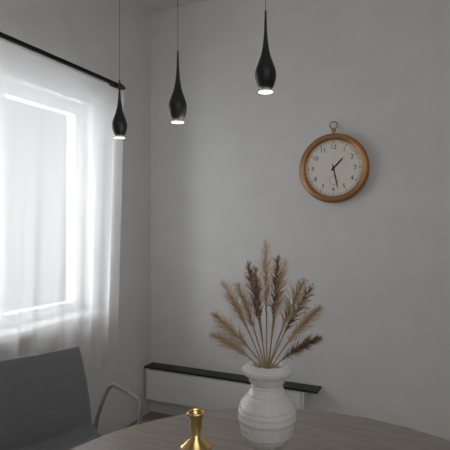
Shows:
1,28
